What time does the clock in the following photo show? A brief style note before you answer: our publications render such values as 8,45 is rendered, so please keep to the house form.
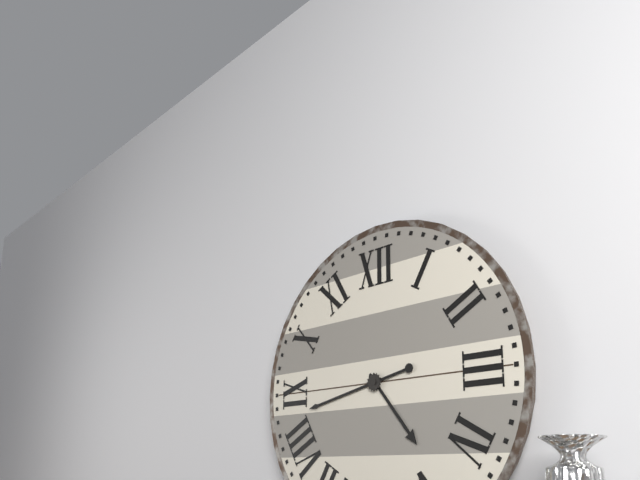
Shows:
4,43
